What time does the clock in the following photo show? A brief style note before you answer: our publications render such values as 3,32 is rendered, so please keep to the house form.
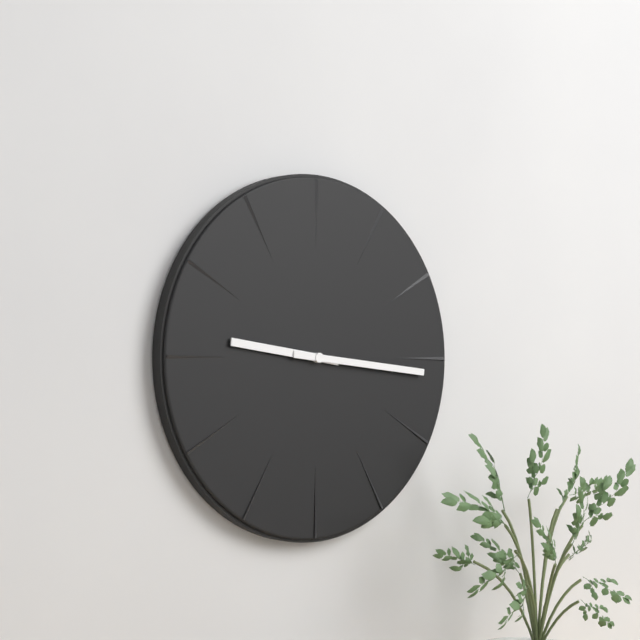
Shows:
9,16
